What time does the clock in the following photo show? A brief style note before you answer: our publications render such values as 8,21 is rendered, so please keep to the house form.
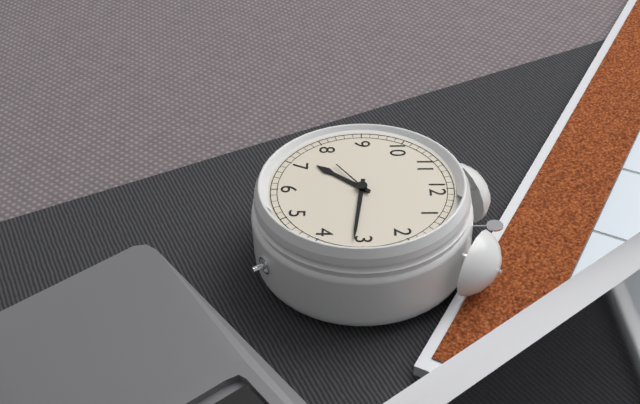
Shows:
7,16
